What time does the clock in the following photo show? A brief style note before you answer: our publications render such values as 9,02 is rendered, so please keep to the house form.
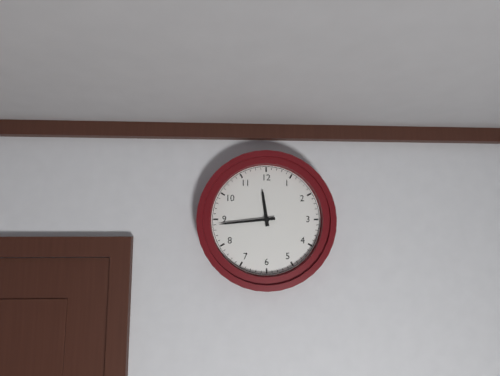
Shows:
11,44
